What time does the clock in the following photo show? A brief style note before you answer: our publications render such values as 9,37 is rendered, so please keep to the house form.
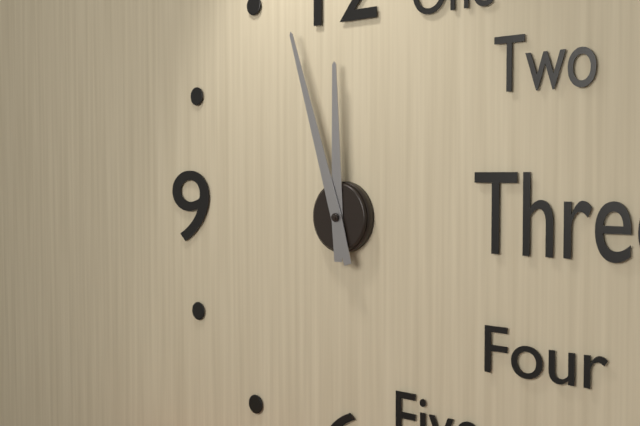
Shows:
11,57
